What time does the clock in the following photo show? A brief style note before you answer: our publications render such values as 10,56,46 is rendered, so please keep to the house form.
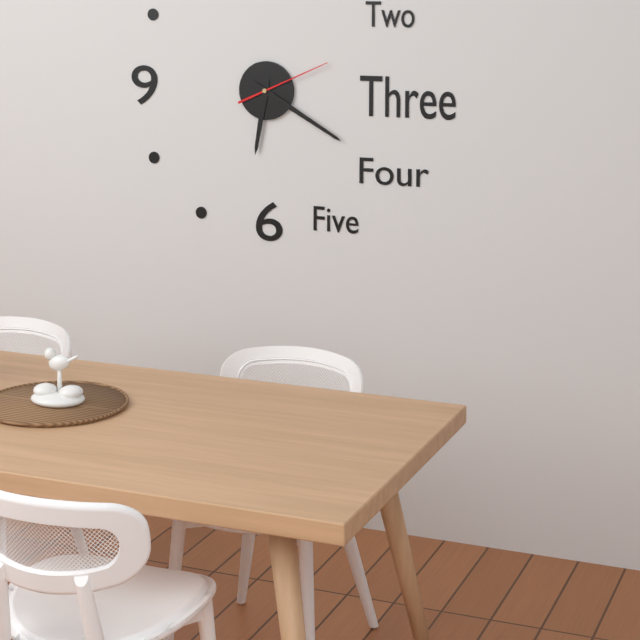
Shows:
6,20,11
